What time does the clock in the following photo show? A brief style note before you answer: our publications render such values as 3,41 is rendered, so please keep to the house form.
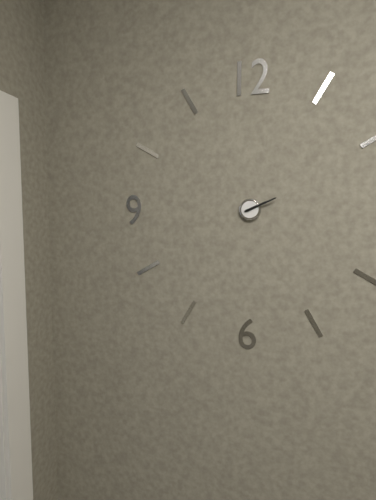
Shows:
2,11
